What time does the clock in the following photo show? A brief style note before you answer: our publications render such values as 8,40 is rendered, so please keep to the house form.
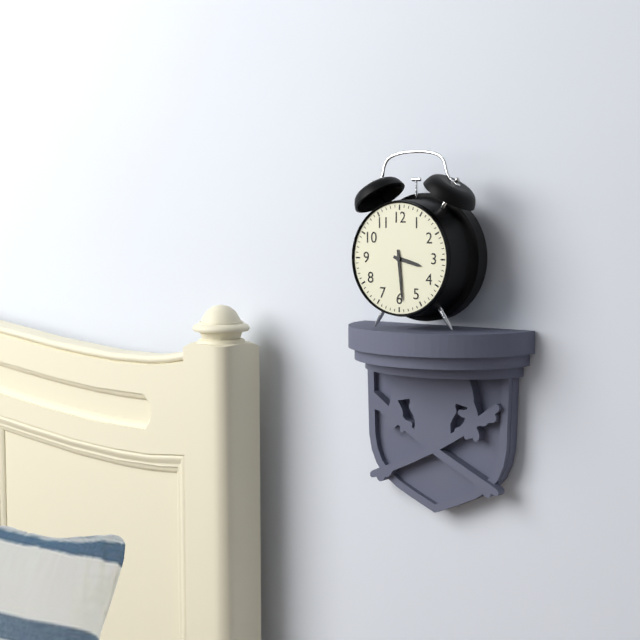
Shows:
3,29
